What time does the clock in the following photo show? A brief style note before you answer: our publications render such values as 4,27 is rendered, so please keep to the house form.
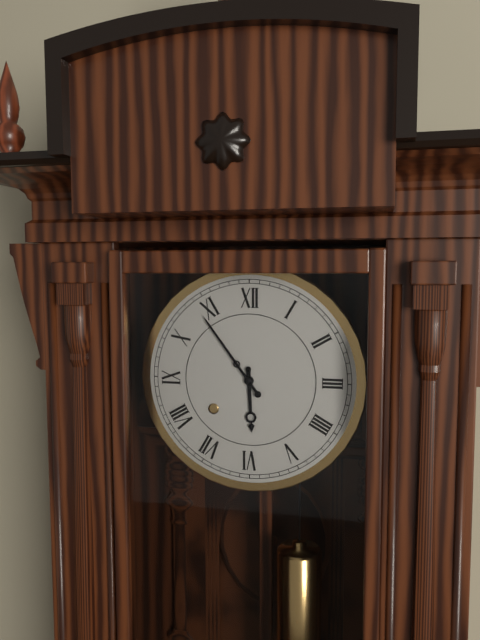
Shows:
5,54
